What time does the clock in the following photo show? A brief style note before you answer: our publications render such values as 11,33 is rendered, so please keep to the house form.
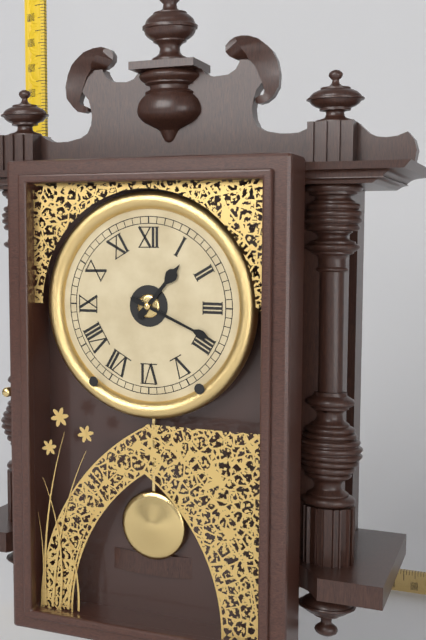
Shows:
1,19
